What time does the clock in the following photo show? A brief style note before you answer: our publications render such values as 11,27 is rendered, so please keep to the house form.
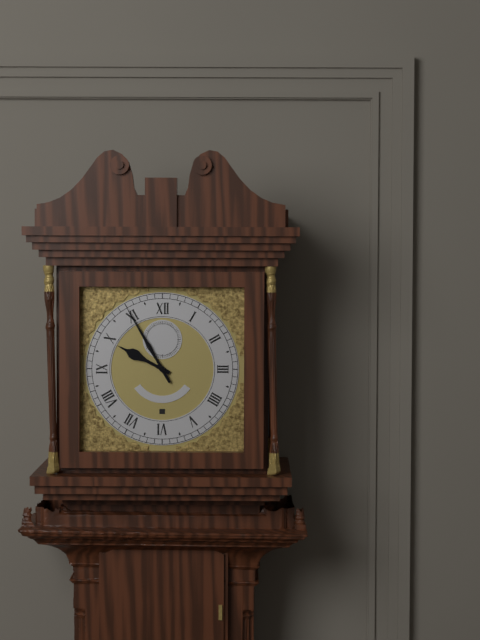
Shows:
9,55
